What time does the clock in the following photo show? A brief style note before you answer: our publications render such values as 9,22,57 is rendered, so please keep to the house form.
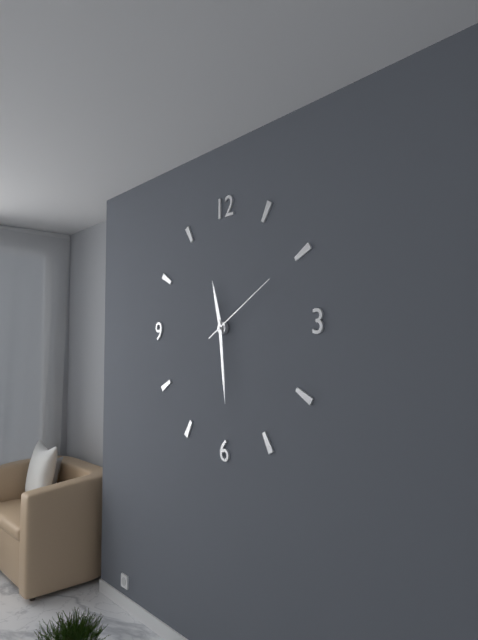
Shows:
11,29,10
